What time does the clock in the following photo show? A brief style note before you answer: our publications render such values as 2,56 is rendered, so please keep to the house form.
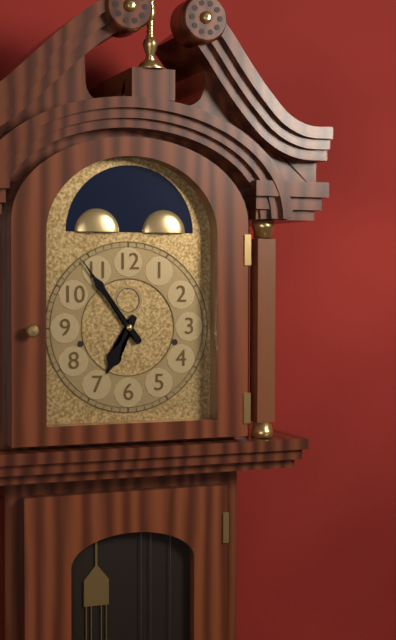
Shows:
6,54
